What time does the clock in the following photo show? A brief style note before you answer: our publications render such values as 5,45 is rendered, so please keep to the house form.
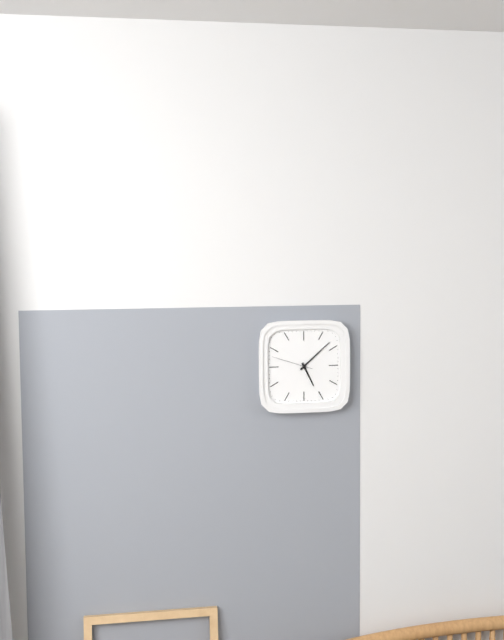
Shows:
5,08
